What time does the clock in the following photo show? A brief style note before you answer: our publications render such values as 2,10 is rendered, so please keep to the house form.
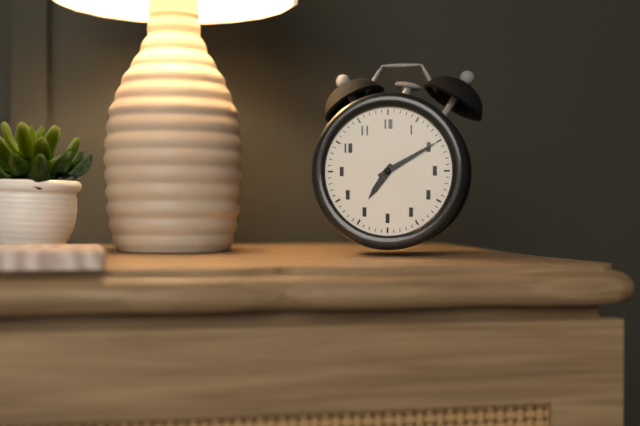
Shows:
7,10
